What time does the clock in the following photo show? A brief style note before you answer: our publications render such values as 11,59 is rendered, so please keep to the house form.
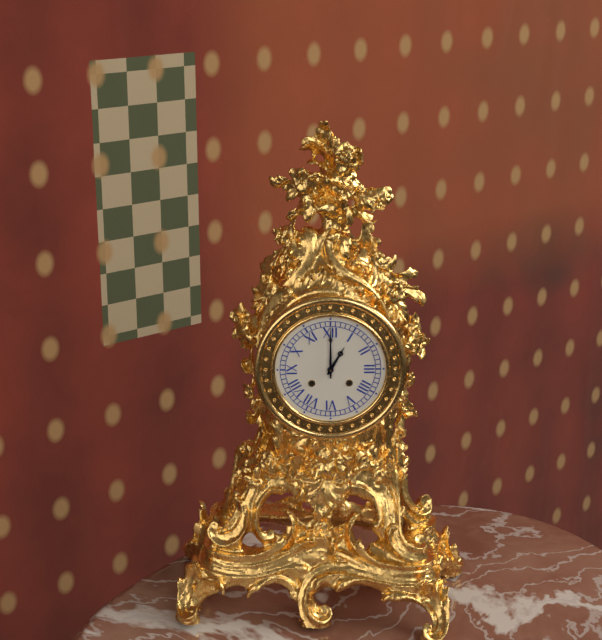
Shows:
1,00
